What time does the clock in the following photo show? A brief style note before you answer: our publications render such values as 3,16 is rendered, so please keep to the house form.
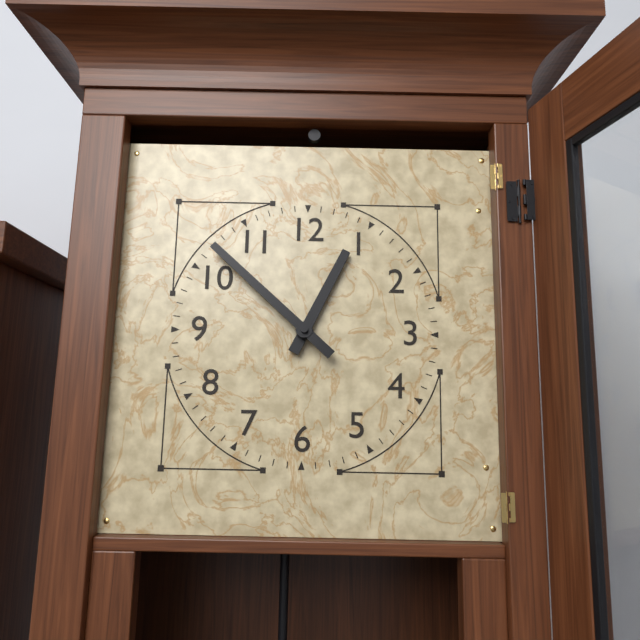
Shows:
12,52
